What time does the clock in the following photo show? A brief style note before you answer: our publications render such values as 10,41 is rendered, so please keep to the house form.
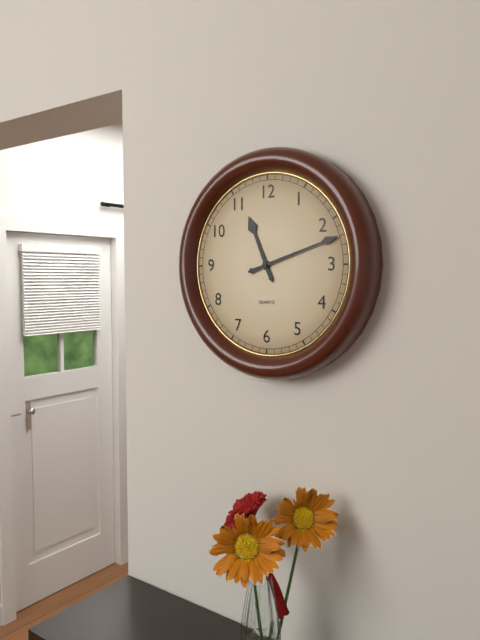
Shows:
11,12
